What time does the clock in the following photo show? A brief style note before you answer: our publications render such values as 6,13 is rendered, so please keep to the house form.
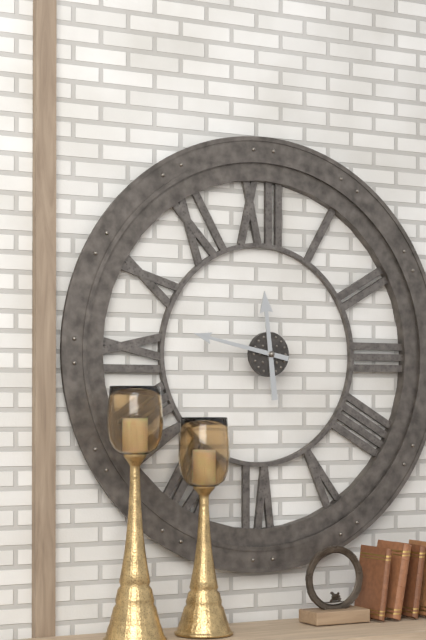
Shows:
11,47
